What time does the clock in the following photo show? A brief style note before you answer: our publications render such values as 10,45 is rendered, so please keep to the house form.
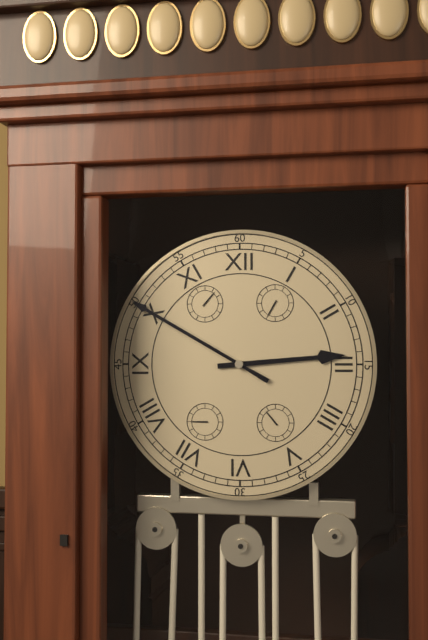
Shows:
2,50
